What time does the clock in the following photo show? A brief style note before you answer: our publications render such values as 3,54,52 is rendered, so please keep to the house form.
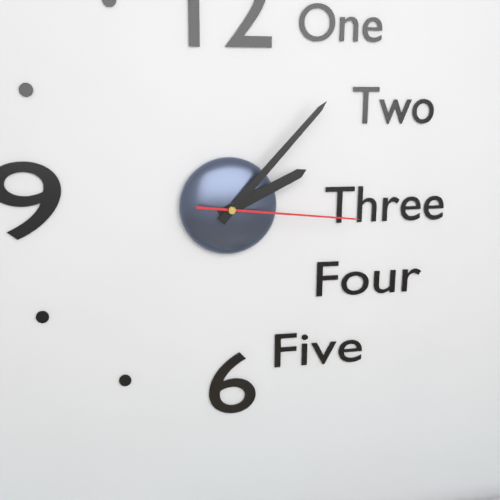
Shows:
2,07,16
